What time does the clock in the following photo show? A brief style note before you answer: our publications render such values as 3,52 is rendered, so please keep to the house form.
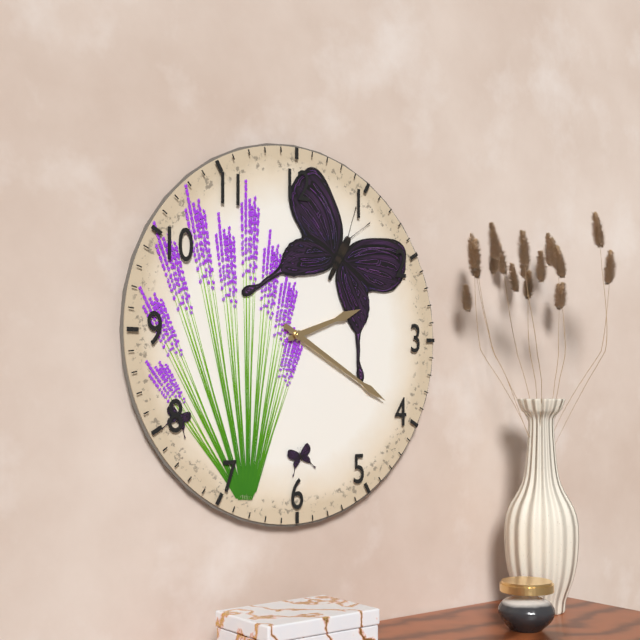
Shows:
2,20
